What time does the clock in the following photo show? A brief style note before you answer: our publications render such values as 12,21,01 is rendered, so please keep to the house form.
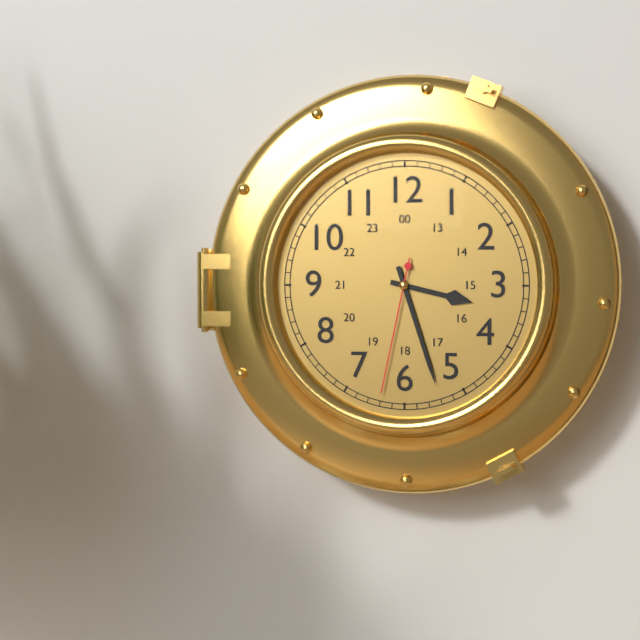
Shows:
3,27,32
